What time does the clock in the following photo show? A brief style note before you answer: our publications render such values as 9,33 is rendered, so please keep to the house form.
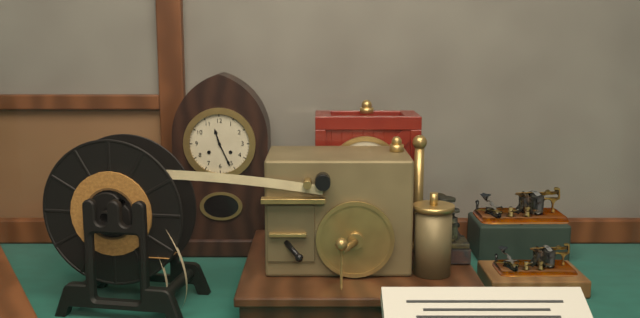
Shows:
11,26
